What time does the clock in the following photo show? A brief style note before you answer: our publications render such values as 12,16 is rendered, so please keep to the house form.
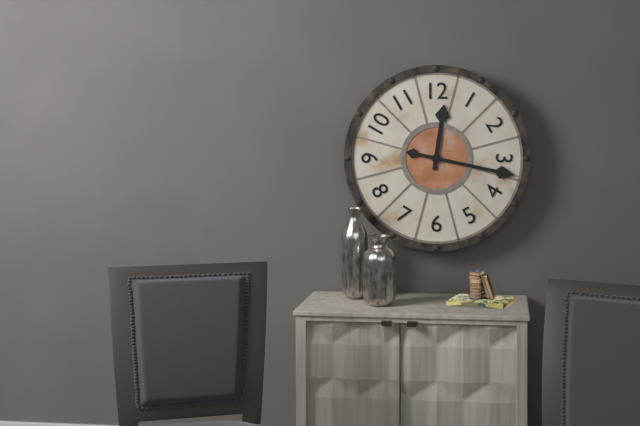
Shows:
12,17
